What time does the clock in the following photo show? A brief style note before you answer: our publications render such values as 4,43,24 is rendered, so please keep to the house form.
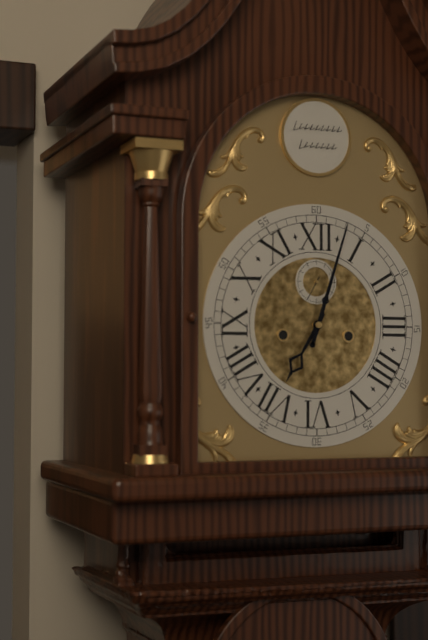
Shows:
7,03,35
